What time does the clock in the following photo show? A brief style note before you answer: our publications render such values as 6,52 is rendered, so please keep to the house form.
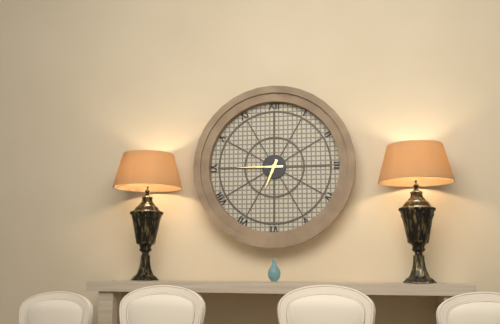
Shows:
6,45
